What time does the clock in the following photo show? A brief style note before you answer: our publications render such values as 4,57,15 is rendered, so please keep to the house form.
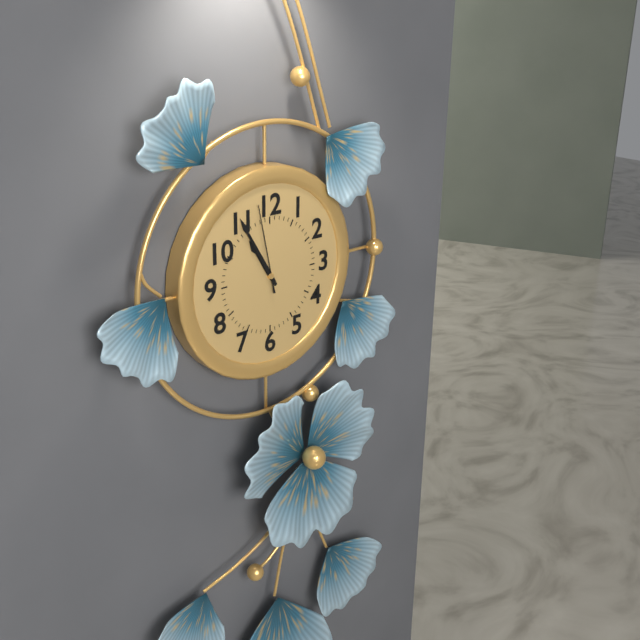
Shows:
10,55,58
